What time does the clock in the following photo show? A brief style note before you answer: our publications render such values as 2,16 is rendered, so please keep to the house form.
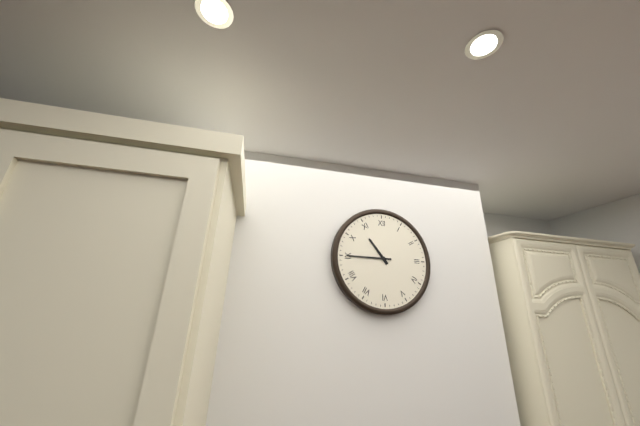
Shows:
10,45
